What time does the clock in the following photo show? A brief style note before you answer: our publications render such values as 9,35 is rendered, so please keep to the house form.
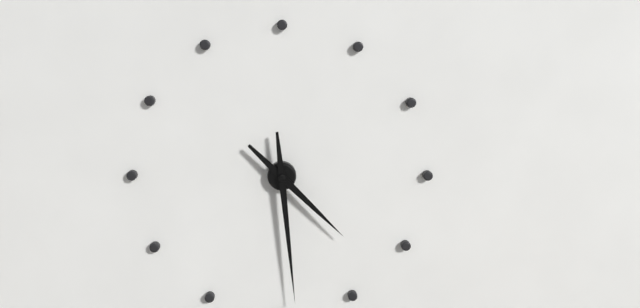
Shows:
4,29
